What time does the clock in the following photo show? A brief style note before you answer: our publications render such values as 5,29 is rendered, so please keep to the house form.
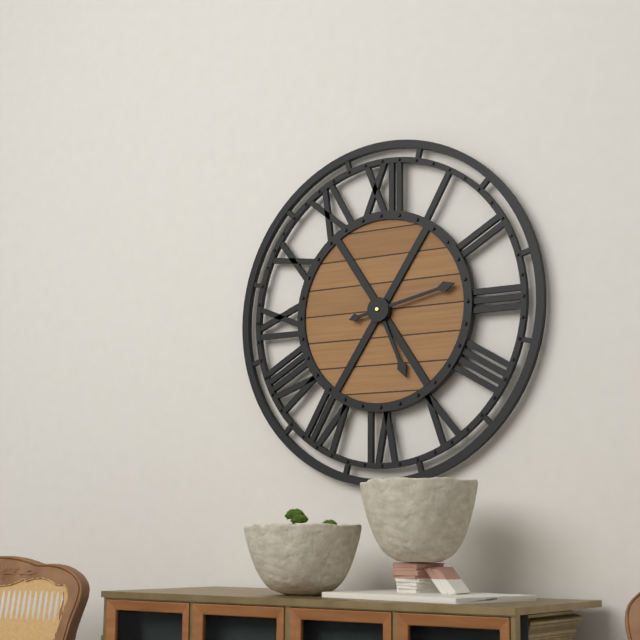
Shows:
5,13
